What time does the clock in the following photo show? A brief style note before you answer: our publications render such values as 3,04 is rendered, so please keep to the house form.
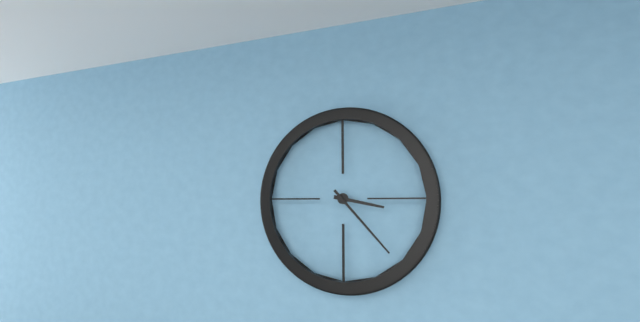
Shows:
3,23
